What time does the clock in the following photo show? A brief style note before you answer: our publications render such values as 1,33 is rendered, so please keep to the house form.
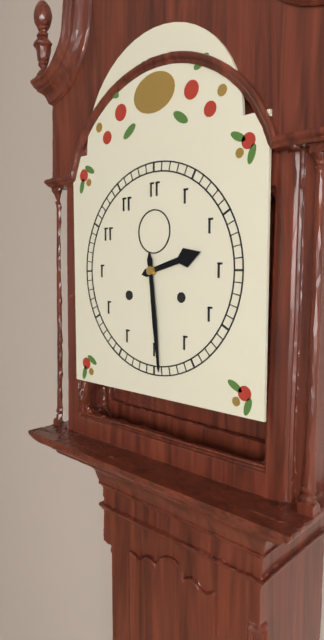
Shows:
2,29
